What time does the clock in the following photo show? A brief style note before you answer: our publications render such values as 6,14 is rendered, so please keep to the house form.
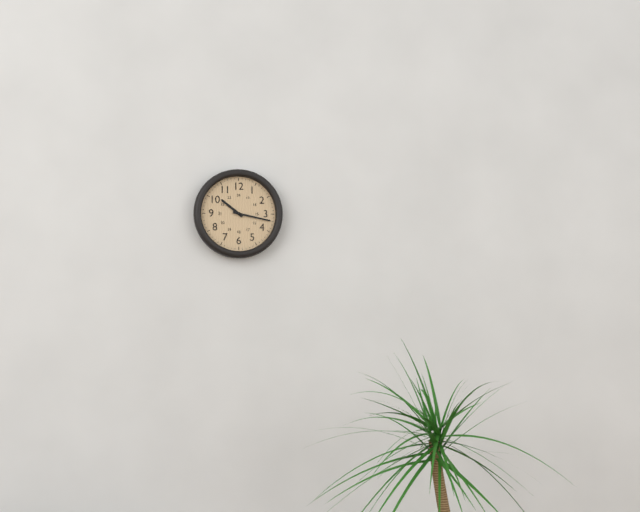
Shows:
10,17
